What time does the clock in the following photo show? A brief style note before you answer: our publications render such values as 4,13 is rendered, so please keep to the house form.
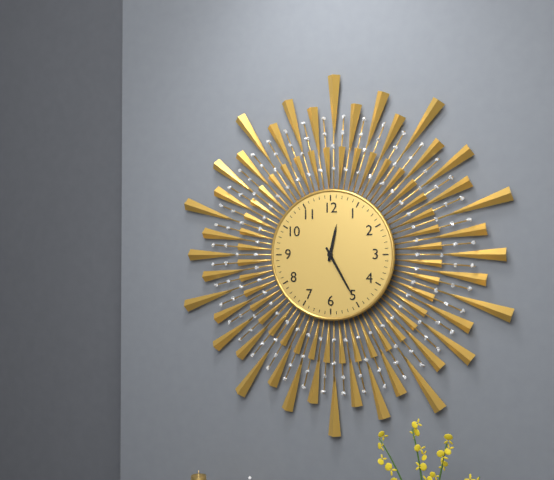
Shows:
12,25
